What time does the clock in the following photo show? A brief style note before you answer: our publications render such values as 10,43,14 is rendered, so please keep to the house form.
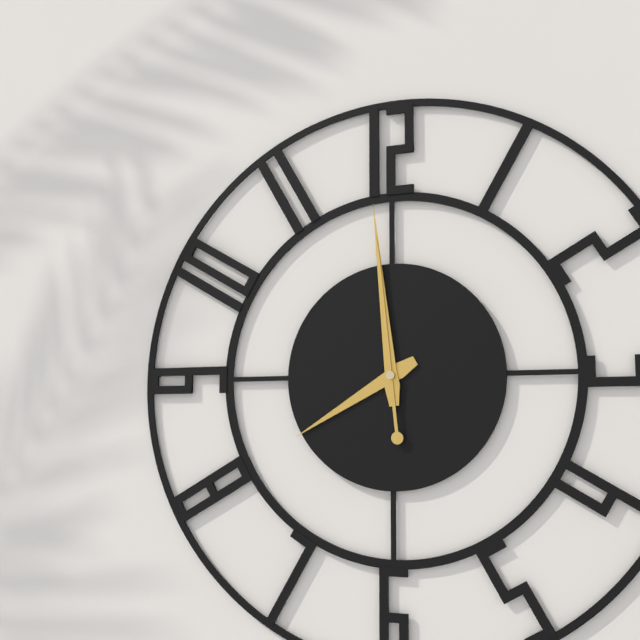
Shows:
7,59,59
